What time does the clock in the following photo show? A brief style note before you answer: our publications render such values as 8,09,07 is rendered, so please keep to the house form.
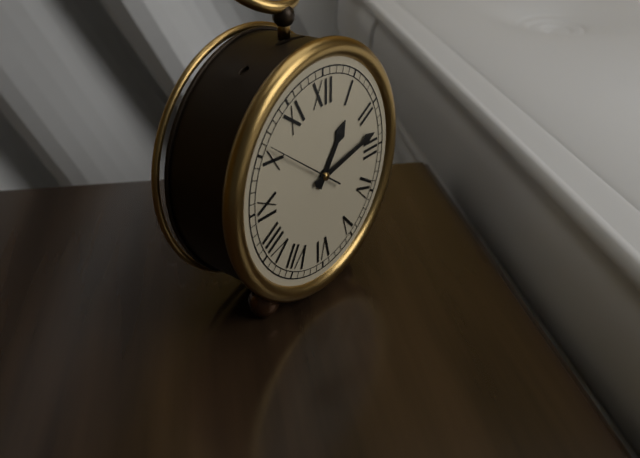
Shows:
1,13,51
